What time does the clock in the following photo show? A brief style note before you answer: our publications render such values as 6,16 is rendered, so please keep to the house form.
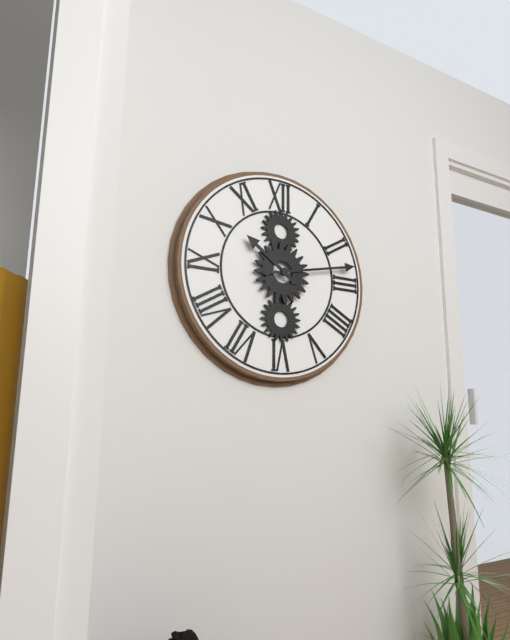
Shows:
10,13
